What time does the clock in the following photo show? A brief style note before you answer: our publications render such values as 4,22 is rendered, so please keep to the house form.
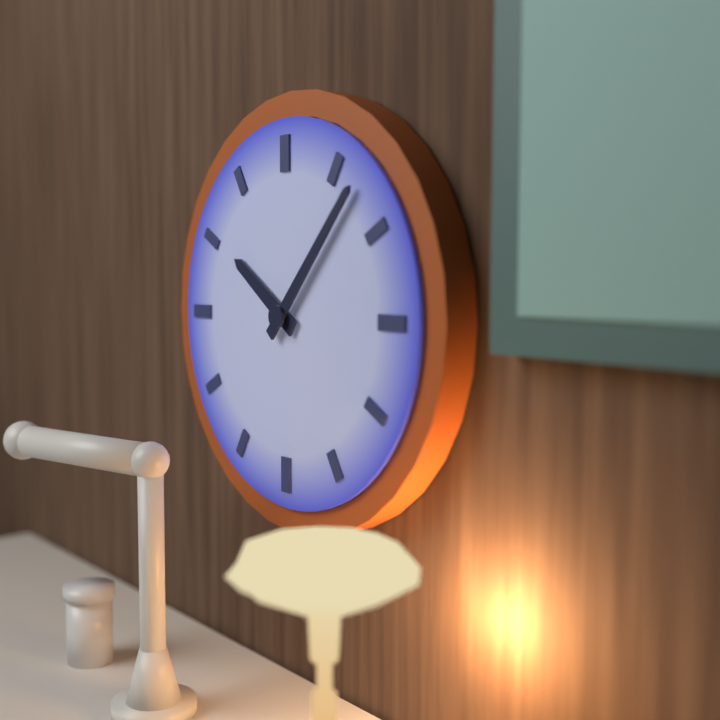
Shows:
10,07
